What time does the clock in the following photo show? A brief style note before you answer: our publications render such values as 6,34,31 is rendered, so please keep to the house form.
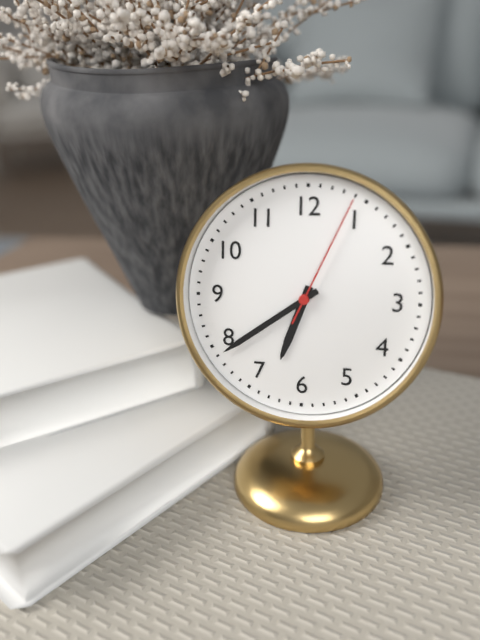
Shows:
6,39,04
